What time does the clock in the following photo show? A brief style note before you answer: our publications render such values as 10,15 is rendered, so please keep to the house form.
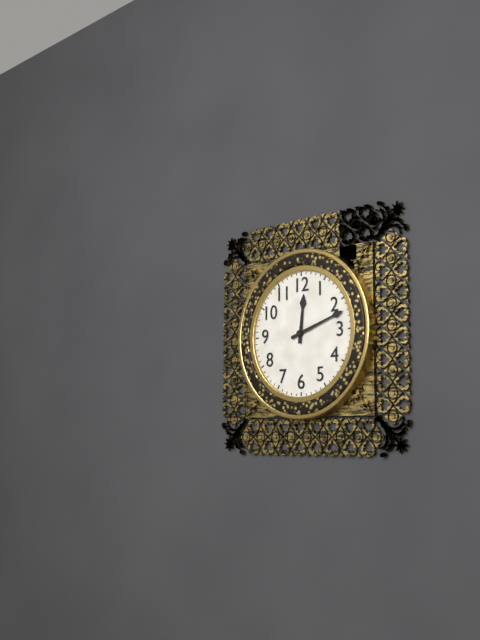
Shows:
12,12
